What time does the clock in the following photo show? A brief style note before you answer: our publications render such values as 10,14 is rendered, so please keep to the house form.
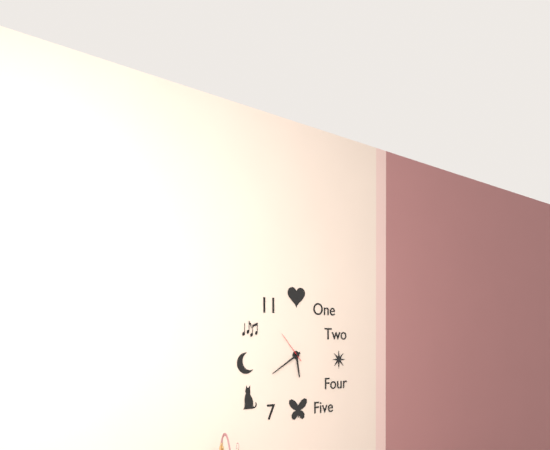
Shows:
5,40
